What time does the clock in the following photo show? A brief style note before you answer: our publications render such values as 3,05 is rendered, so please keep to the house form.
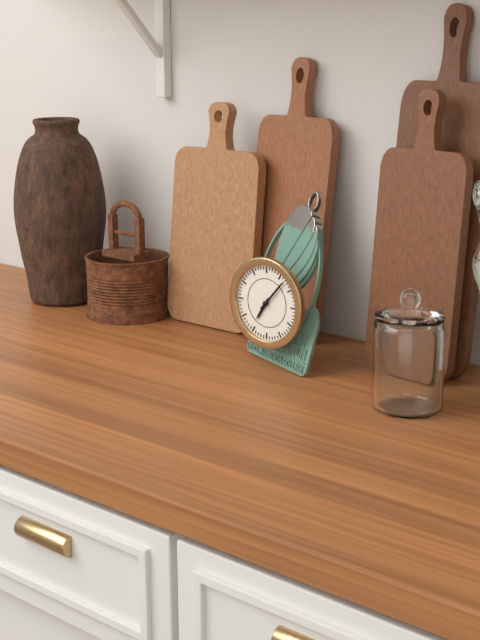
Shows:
7,07
